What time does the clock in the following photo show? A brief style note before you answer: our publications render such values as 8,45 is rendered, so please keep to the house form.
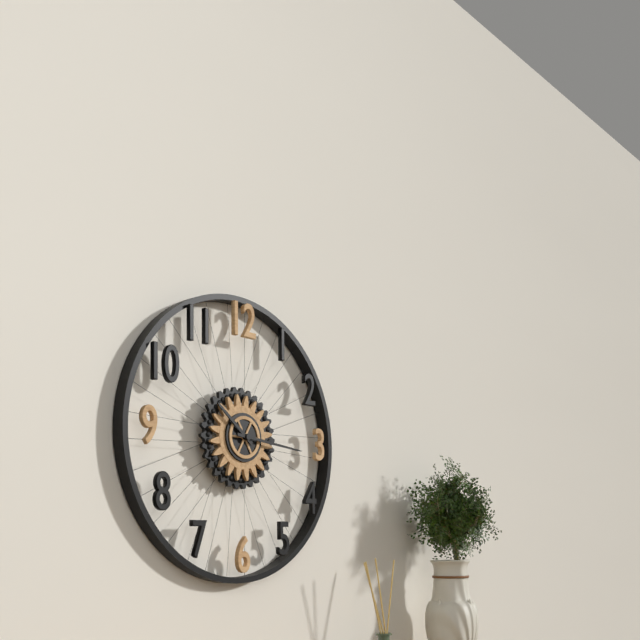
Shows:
10,16
